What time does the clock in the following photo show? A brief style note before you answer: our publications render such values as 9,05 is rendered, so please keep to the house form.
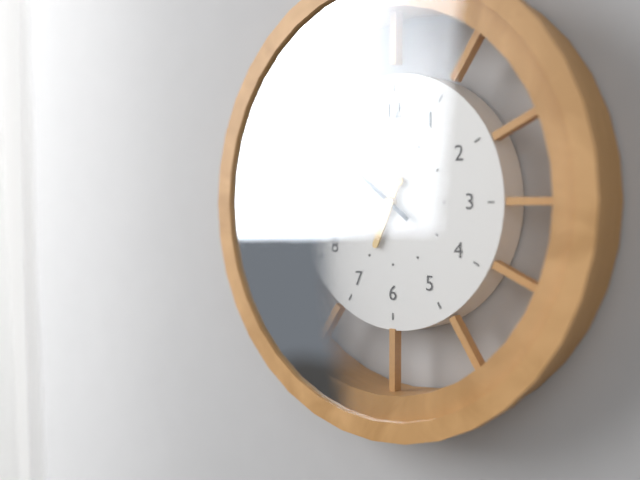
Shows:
6,51
